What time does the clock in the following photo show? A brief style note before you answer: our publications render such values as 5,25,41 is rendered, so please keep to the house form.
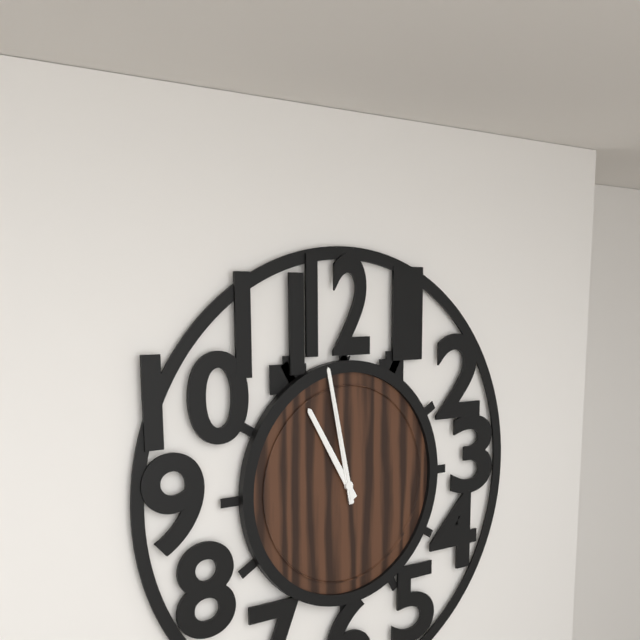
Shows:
10,58,58
